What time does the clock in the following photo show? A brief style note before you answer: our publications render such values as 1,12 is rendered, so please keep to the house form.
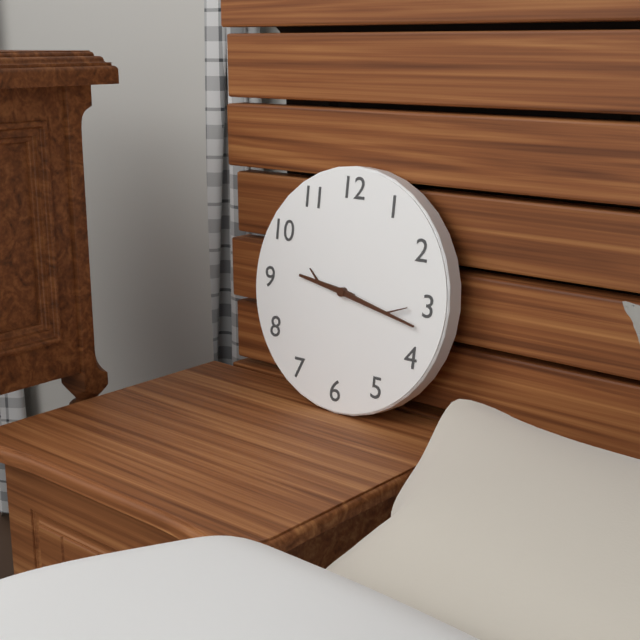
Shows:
9,17
